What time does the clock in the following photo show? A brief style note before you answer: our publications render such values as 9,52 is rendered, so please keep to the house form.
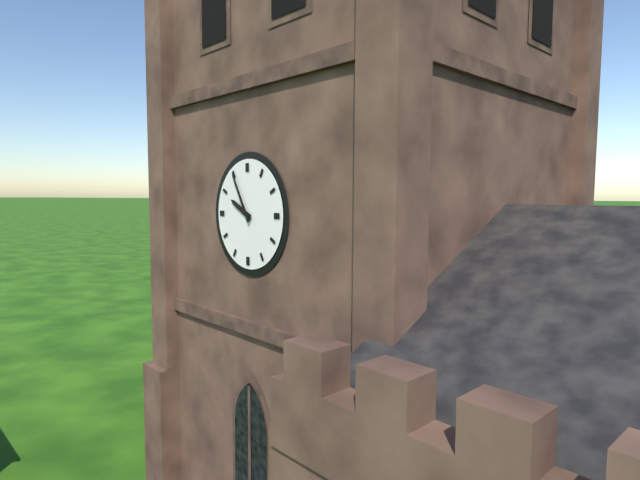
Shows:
9,55
